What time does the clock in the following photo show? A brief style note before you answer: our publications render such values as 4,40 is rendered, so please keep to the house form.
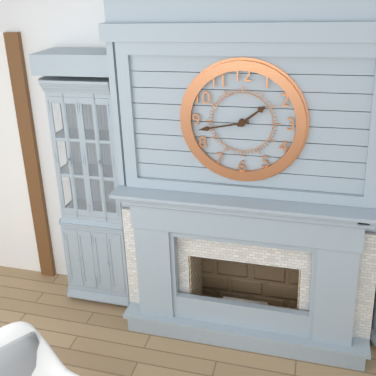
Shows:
1,43
